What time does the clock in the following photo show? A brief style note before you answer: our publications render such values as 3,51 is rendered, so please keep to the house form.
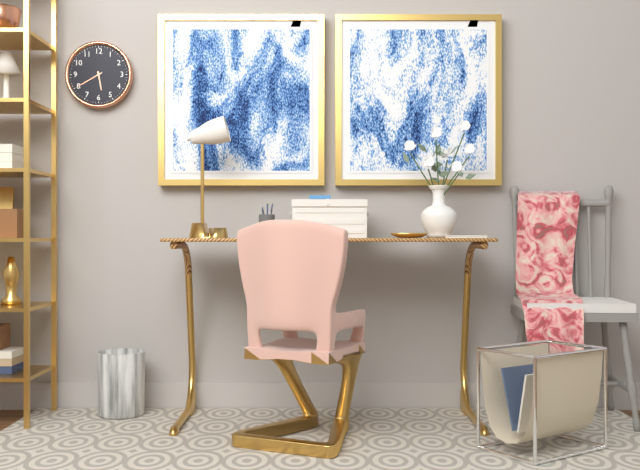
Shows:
5,40
